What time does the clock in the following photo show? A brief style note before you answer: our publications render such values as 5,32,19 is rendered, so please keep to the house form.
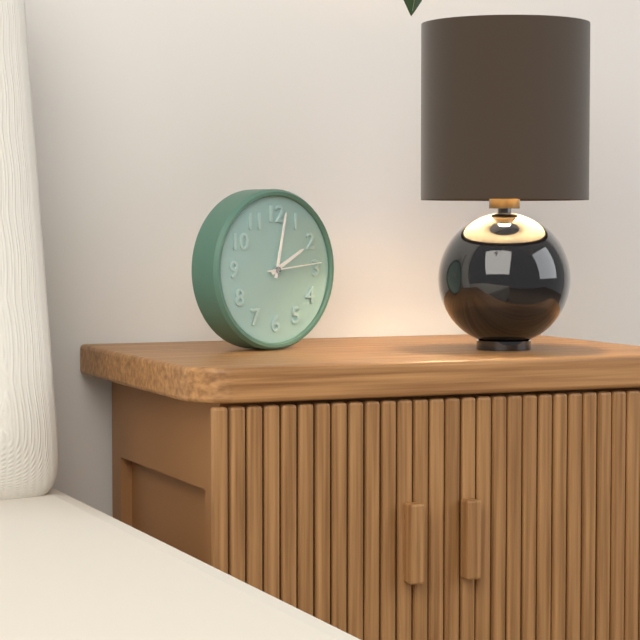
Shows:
2,02,14
